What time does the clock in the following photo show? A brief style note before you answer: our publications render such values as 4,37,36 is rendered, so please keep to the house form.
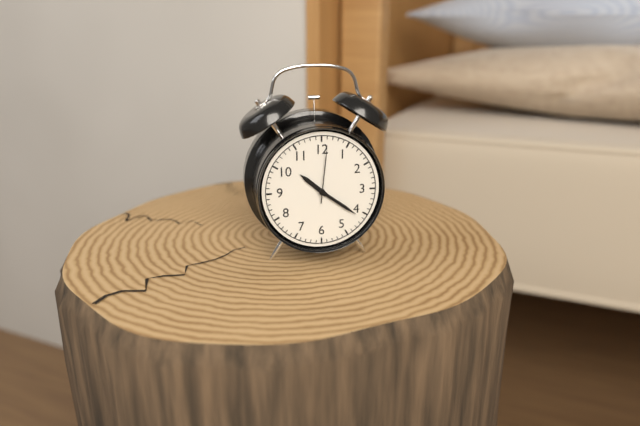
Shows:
10,21,01
